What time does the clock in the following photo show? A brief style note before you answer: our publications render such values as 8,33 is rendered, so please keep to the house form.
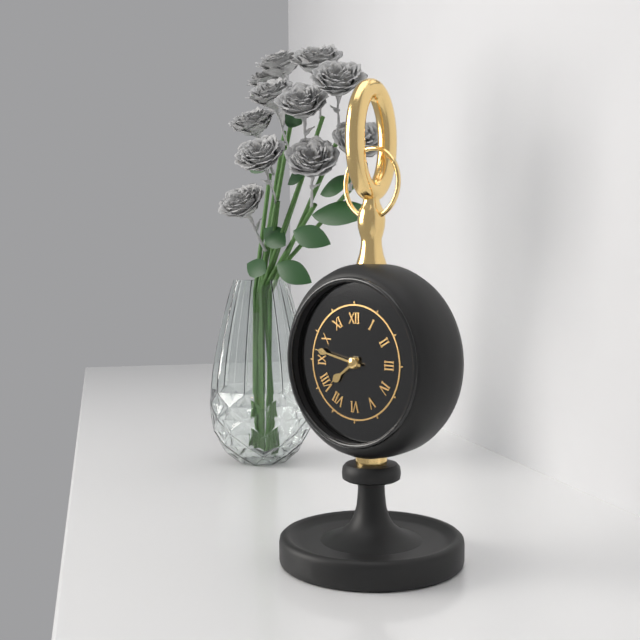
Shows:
7,47
